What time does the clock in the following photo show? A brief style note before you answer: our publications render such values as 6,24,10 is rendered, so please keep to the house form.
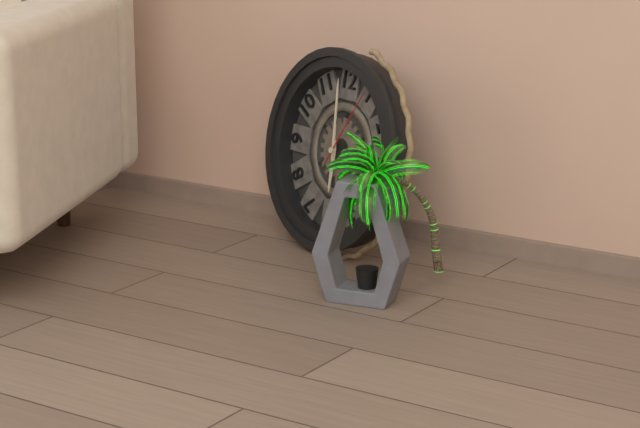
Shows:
5,59,05
